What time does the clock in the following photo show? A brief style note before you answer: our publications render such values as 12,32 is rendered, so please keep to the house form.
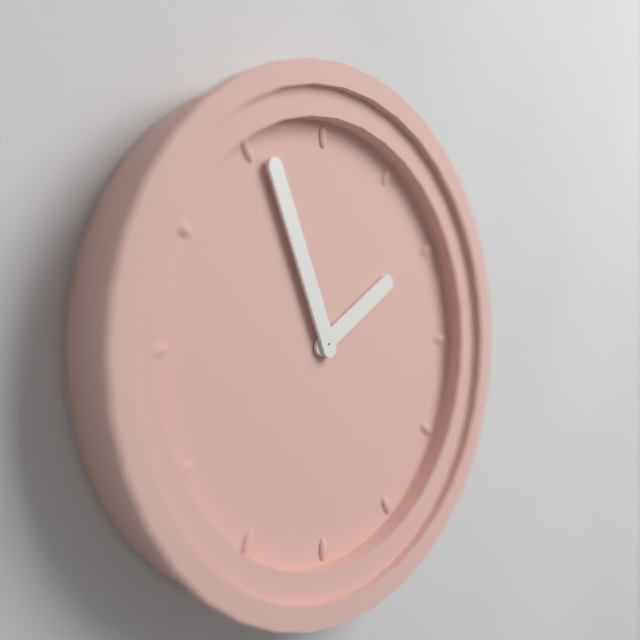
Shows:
1,56
